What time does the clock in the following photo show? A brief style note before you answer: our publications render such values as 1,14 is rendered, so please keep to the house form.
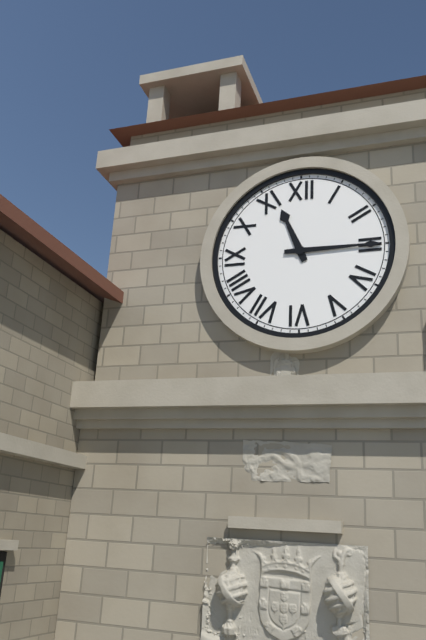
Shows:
11,15
